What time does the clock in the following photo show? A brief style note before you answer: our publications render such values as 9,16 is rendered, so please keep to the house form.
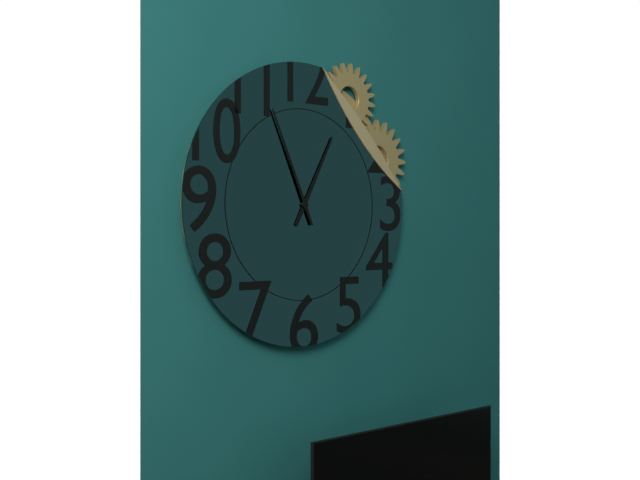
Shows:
12,56
